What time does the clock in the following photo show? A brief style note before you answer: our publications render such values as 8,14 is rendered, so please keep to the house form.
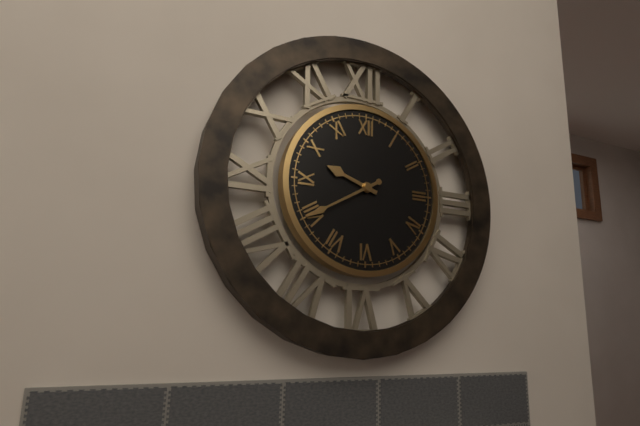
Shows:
9,40
